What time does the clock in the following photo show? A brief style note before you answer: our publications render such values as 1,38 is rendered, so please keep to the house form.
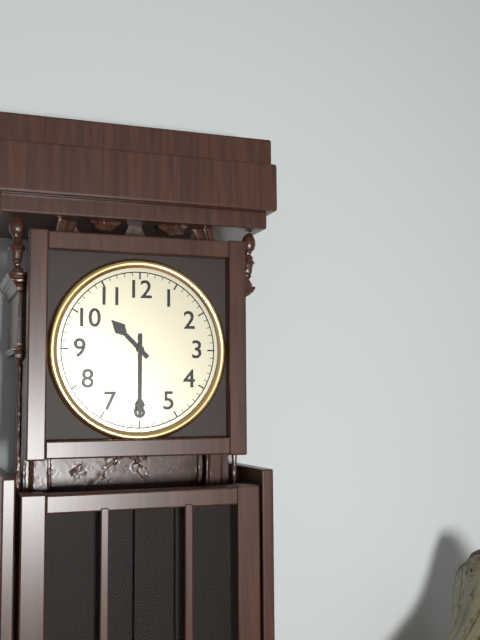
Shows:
10,30
